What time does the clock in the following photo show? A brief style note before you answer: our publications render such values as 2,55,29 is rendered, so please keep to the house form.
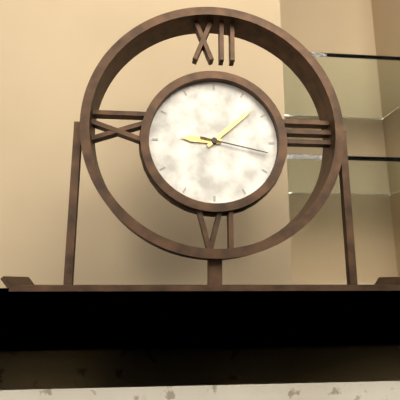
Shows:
9,08,17
